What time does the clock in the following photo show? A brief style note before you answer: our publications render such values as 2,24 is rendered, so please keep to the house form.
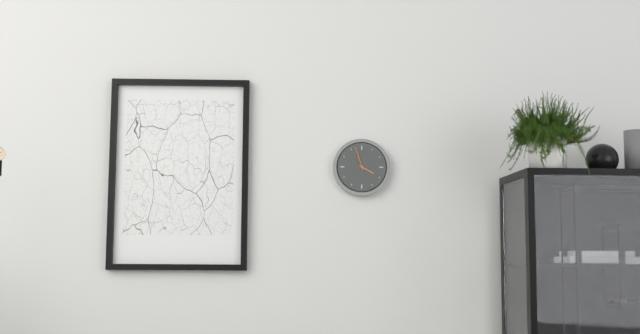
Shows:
3,57
